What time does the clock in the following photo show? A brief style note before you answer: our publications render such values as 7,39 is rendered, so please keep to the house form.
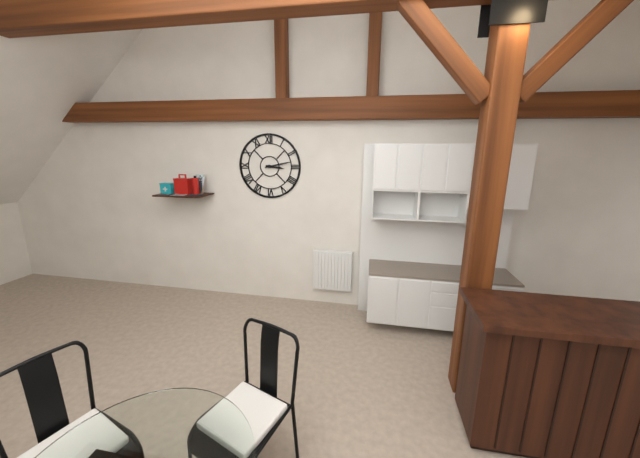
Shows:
3,13
